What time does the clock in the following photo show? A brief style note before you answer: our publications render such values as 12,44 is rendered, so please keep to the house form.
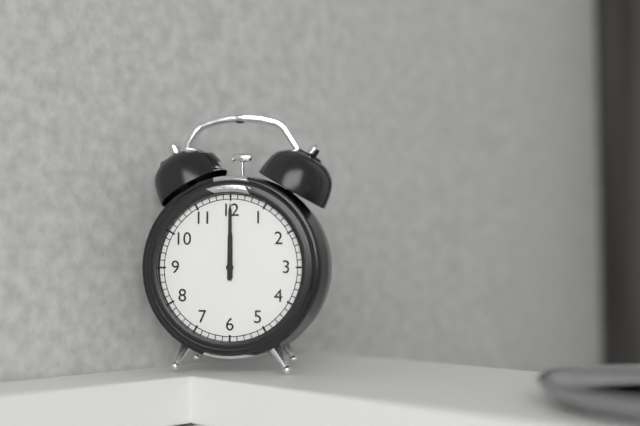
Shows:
12,00
